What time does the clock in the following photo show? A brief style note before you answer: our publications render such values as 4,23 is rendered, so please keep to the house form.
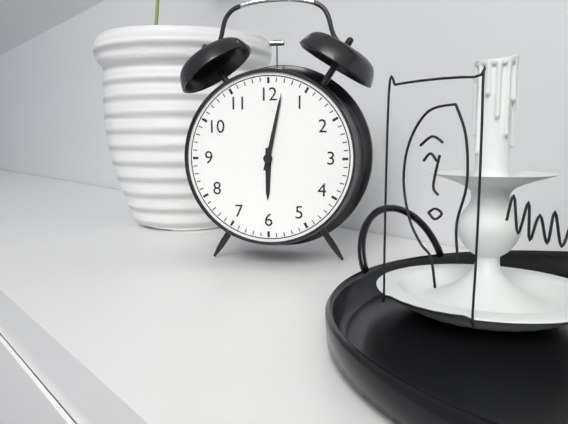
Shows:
6,02
